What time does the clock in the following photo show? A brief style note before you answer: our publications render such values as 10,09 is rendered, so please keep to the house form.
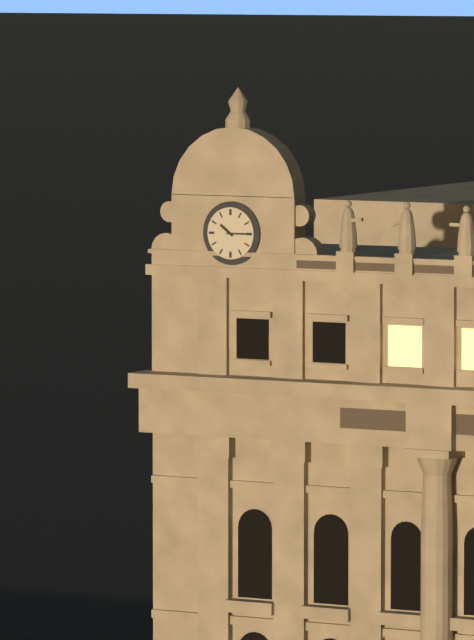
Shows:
10,15
